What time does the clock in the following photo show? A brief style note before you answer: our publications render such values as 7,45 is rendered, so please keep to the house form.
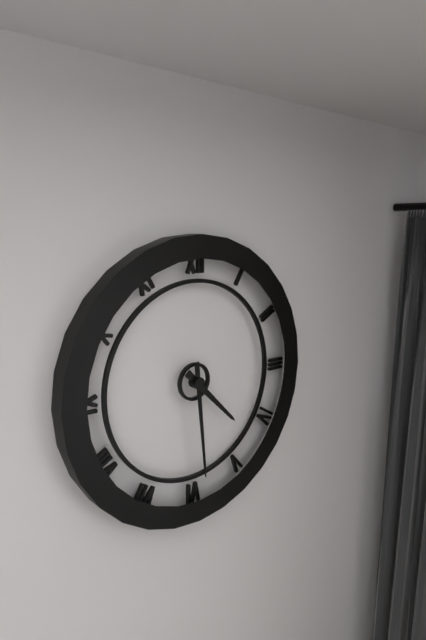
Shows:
4,29
